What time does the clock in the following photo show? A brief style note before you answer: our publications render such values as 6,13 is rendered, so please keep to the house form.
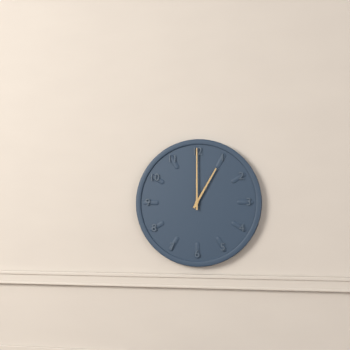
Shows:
1,00
